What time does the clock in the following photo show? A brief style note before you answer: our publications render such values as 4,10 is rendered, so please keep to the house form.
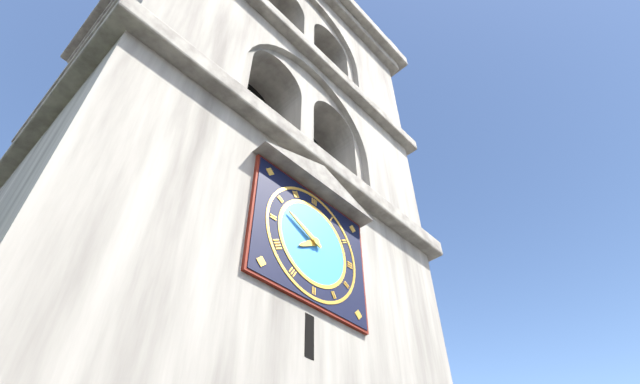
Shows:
7,49
